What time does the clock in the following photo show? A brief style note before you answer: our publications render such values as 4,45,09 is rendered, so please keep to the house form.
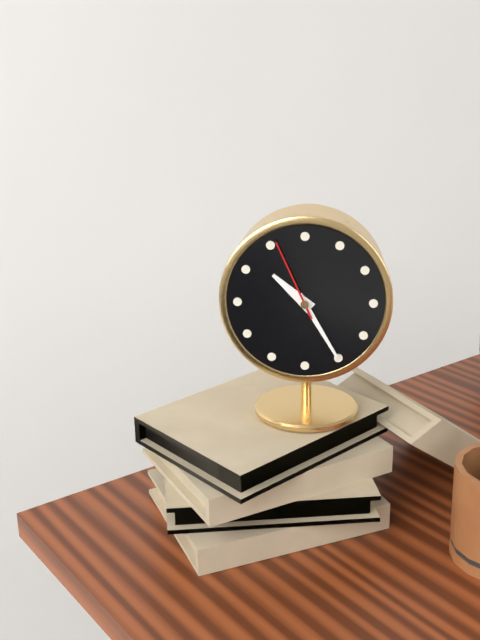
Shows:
10,25,56
